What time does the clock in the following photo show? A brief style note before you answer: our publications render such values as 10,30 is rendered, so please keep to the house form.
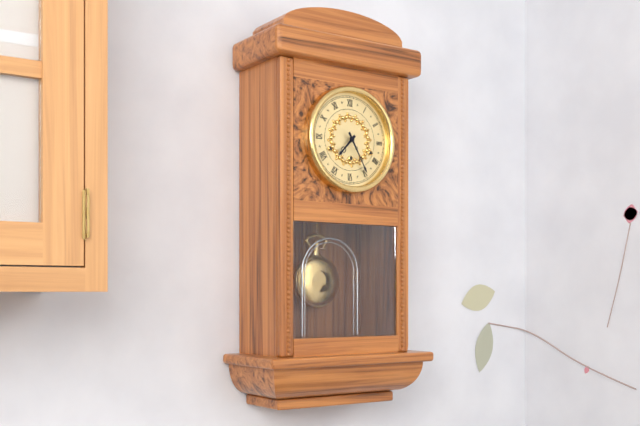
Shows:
7,25
